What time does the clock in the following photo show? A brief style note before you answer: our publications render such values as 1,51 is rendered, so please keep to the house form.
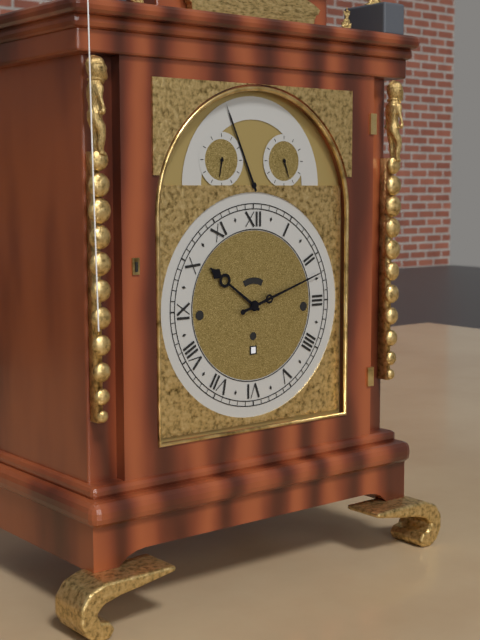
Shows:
10,12
